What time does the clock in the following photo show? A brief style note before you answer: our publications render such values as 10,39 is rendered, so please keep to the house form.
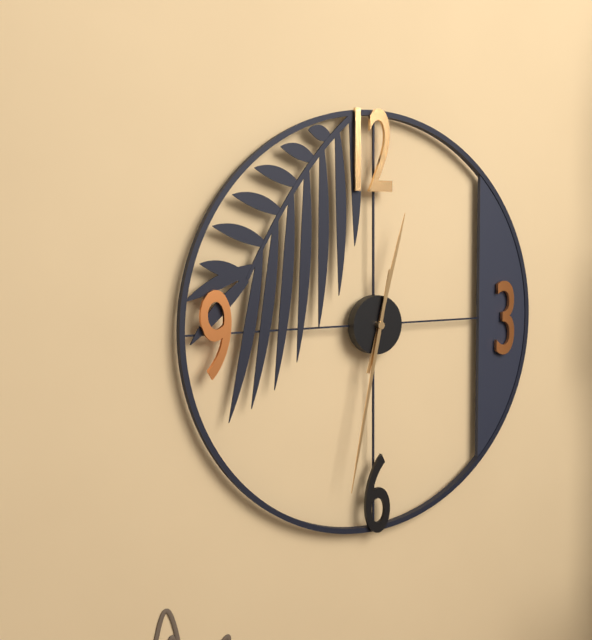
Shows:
12,32
